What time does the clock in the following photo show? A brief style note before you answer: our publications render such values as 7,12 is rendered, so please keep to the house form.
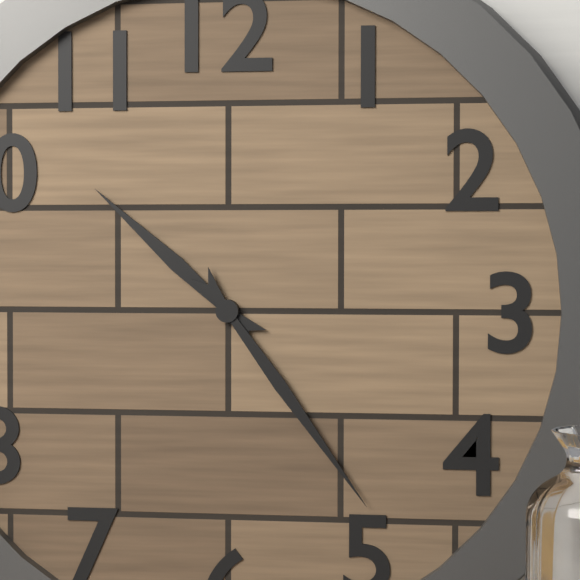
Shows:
10,24
